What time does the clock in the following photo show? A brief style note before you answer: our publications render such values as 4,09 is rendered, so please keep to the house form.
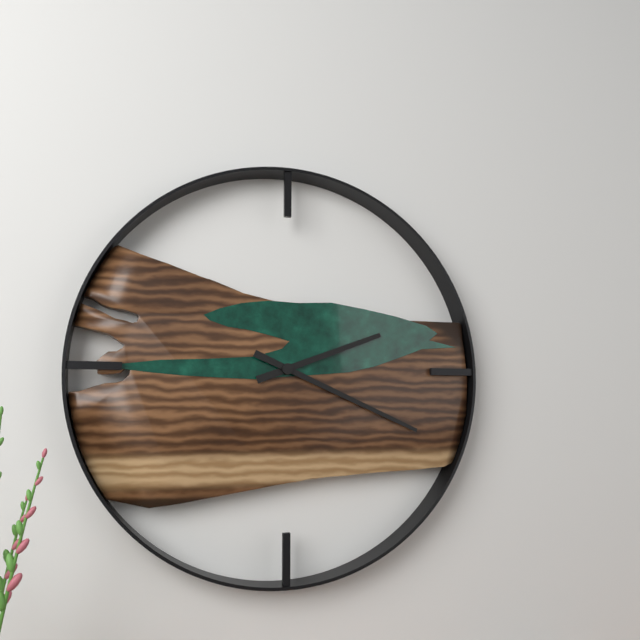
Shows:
2,19
